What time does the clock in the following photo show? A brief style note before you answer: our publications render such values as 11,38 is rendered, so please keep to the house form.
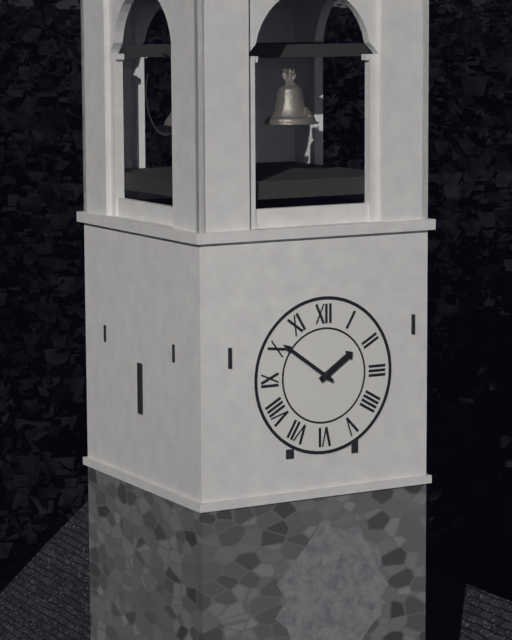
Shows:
1,51
